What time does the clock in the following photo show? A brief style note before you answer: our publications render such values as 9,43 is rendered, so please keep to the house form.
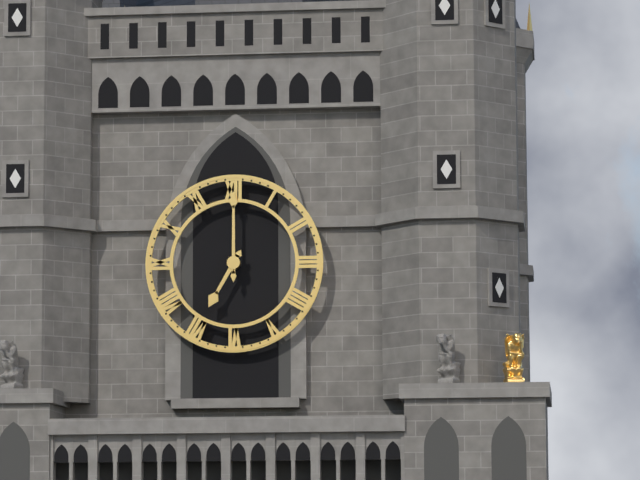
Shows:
7,00
